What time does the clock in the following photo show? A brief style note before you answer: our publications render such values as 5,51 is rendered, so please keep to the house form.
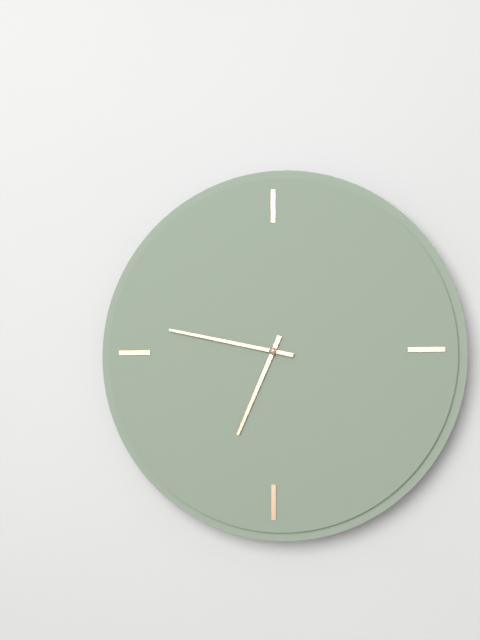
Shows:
6,47
